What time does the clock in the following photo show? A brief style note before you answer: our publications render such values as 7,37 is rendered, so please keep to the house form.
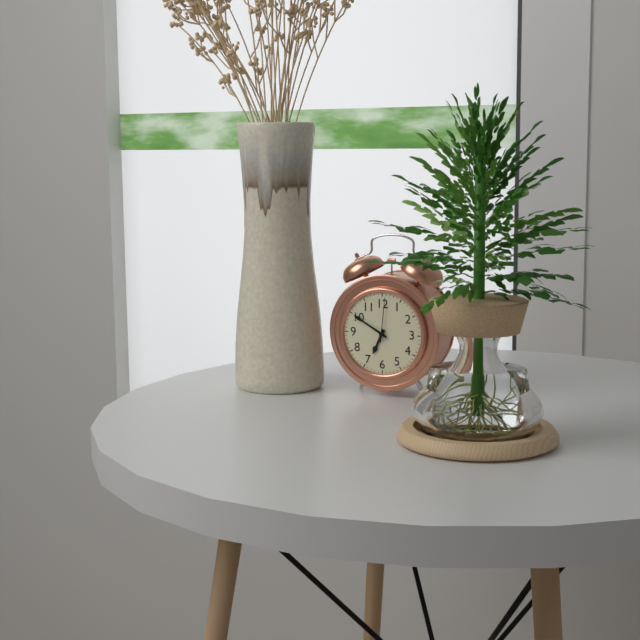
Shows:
6,50
